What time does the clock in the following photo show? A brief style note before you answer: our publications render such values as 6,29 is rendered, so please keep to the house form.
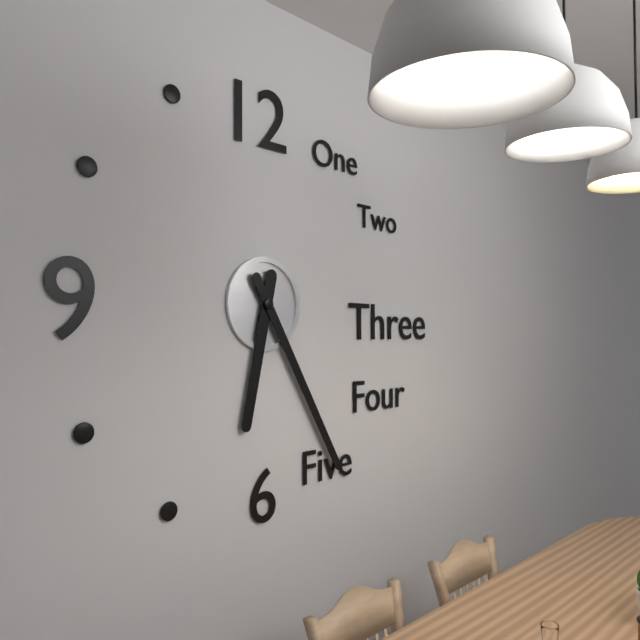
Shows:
6,25
